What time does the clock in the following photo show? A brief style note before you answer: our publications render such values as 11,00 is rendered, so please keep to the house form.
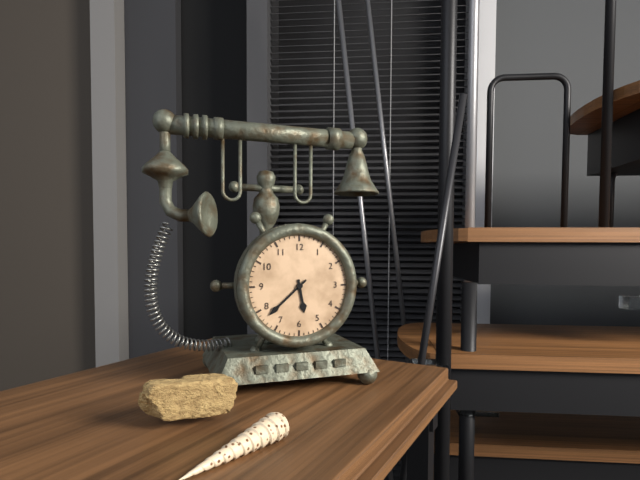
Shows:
5,38
